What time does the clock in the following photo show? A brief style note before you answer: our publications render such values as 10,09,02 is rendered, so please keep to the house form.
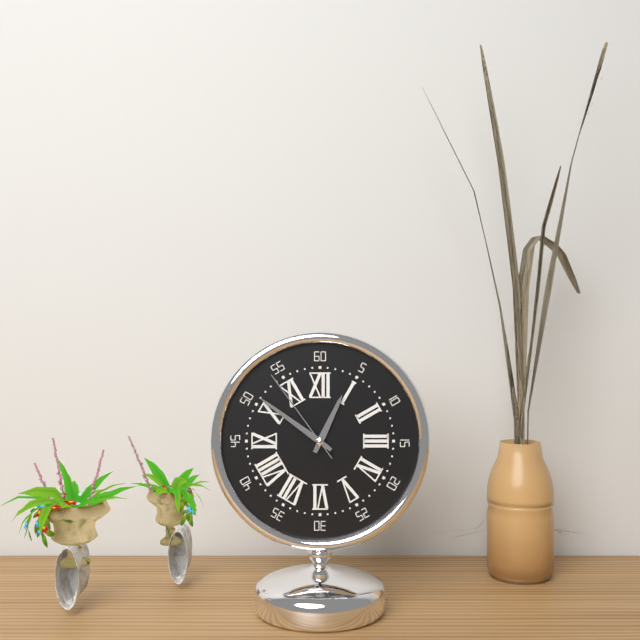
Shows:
12,51,54
